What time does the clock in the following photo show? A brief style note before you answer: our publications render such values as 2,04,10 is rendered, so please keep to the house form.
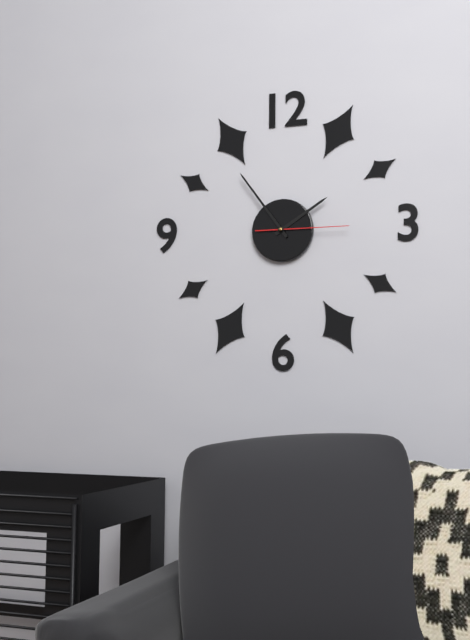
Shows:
1,54,15
